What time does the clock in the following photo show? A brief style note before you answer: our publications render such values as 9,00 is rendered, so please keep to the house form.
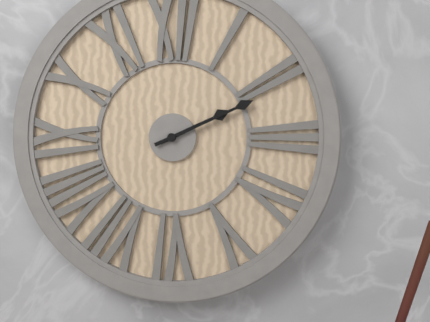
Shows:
2,11
